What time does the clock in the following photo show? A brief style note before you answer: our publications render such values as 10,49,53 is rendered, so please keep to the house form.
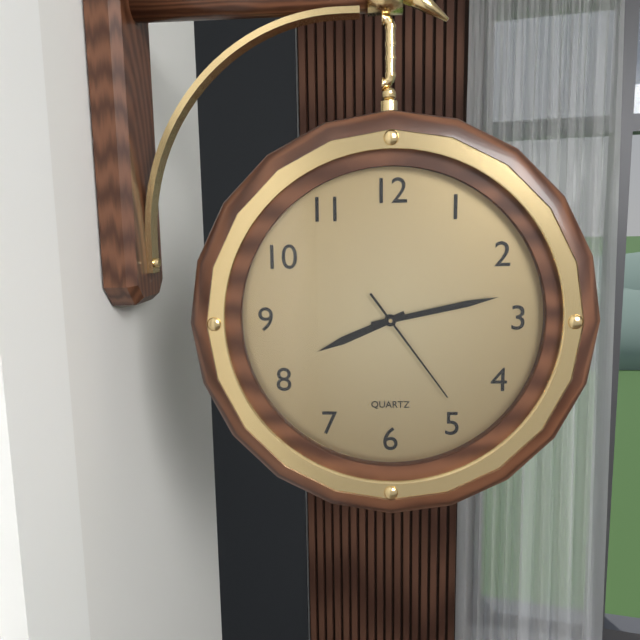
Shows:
8,13,24
